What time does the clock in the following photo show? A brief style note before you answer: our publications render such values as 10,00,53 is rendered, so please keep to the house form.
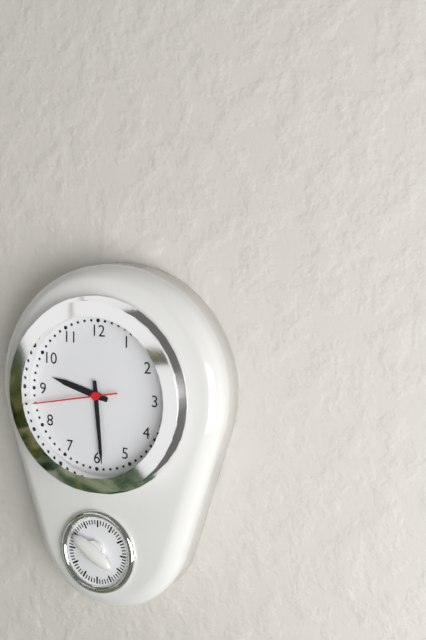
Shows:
9,29,43
